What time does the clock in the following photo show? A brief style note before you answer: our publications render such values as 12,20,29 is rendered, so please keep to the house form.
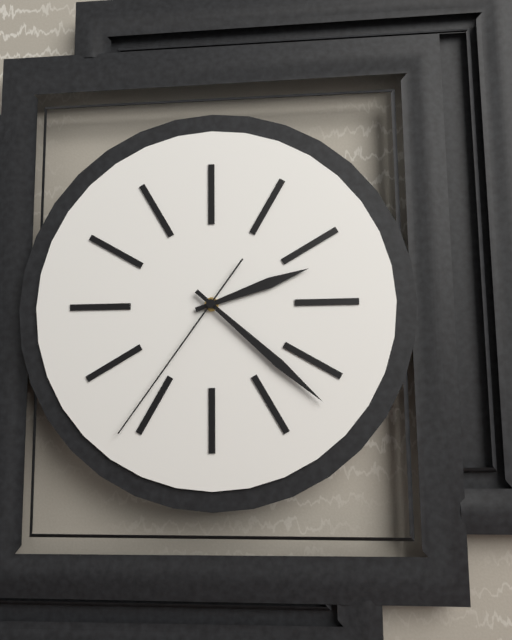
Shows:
2,22,36
